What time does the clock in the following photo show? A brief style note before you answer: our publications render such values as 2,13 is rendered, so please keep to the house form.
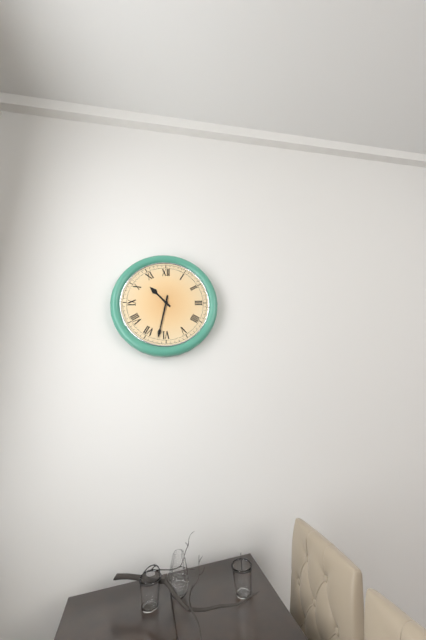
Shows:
10,32
